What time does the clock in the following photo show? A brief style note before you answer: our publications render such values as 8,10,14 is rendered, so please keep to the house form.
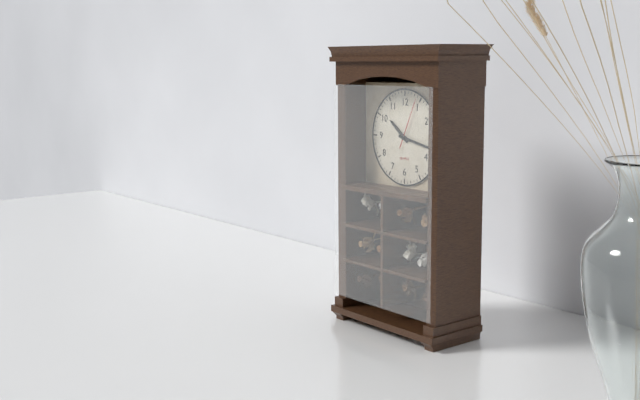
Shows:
10,17,04
